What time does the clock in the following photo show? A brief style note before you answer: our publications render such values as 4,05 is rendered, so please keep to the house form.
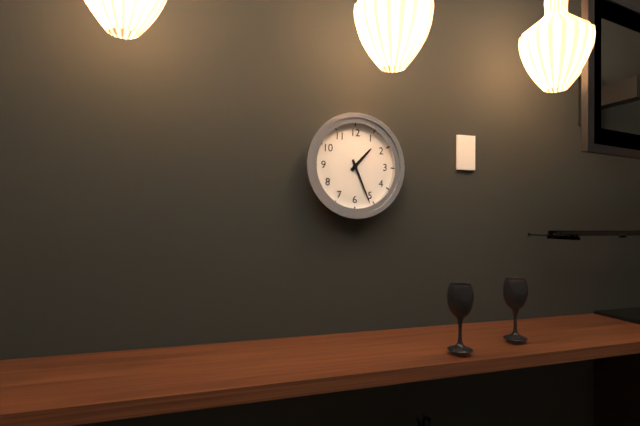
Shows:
1,26
